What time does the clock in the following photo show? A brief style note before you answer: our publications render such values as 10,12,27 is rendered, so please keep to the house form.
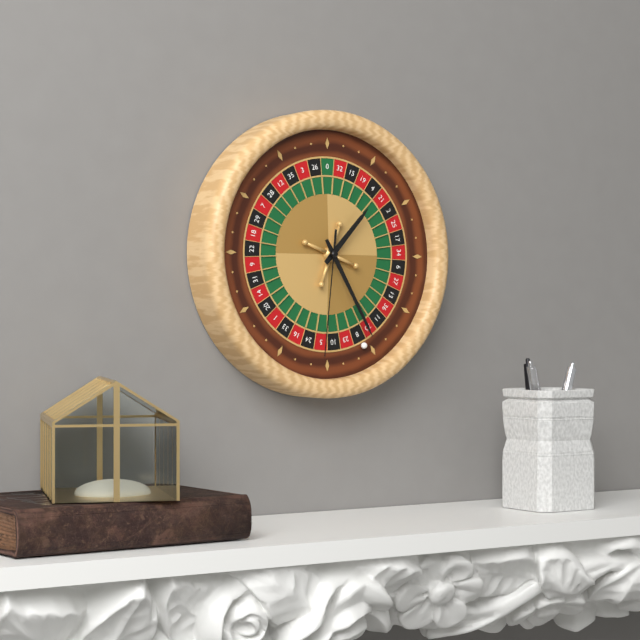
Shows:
1,25,31
